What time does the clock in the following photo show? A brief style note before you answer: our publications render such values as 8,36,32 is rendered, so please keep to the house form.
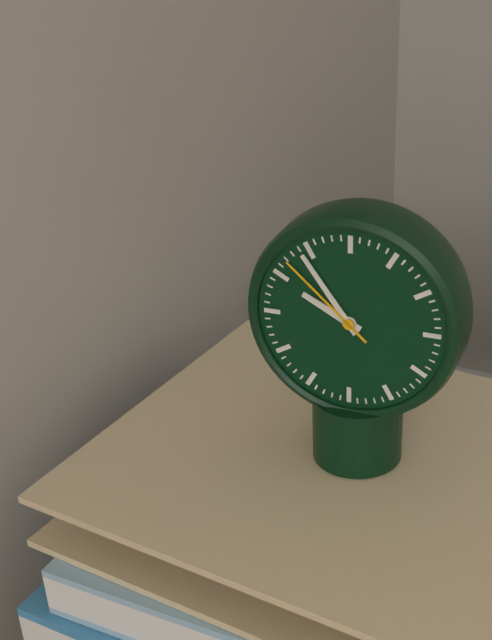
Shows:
9,54,52
